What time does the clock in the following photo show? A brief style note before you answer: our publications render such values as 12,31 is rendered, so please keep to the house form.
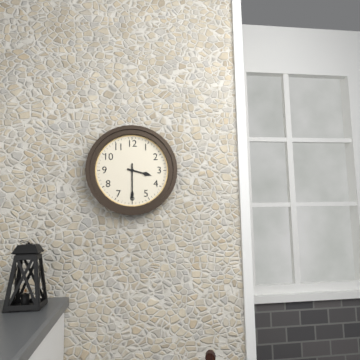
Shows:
3,30
